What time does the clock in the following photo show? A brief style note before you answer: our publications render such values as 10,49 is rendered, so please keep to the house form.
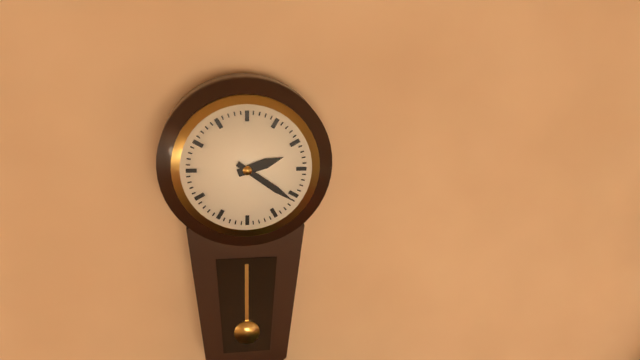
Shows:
2,21
